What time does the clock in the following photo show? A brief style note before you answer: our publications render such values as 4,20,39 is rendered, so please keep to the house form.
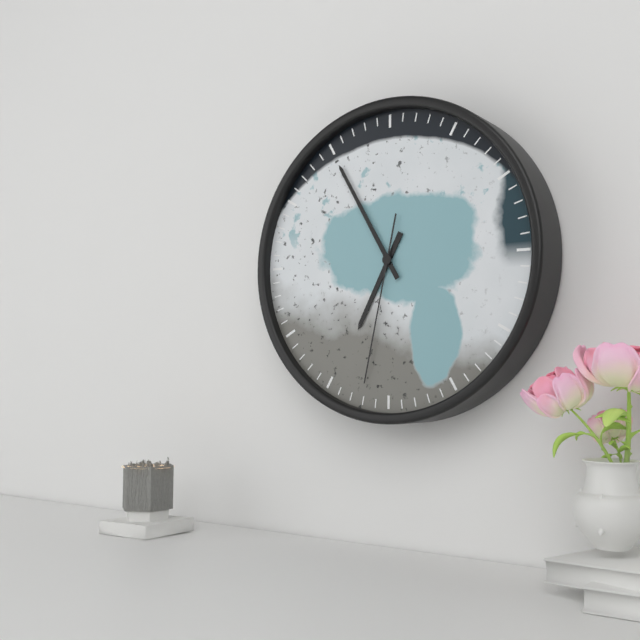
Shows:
6,55,32
